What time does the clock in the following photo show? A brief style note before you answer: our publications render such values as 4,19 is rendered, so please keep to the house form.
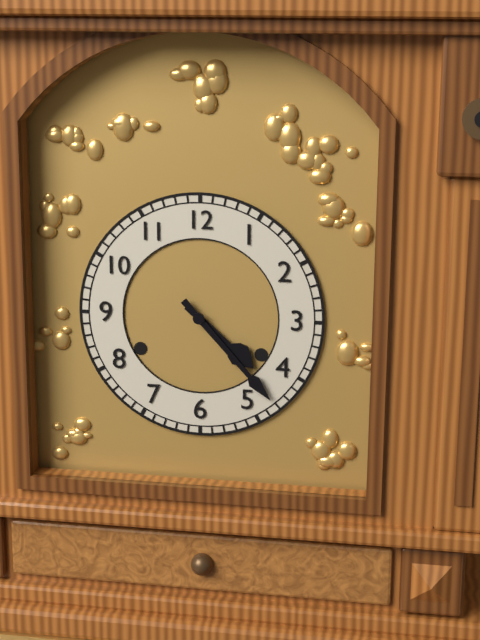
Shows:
4,23
